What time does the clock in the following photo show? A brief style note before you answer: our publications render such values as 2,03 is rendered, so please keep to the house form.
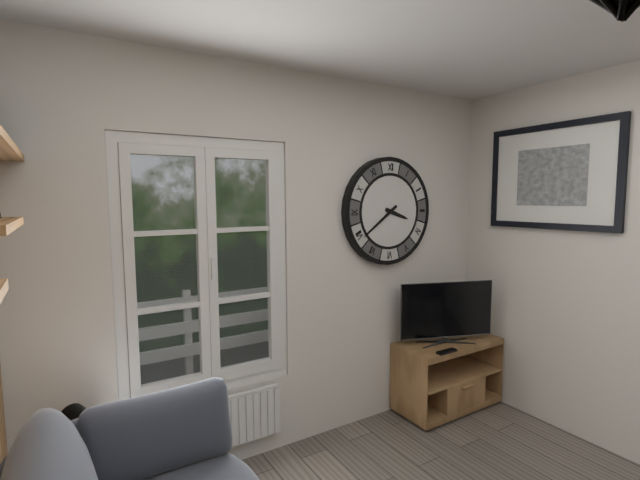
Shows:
3,39
